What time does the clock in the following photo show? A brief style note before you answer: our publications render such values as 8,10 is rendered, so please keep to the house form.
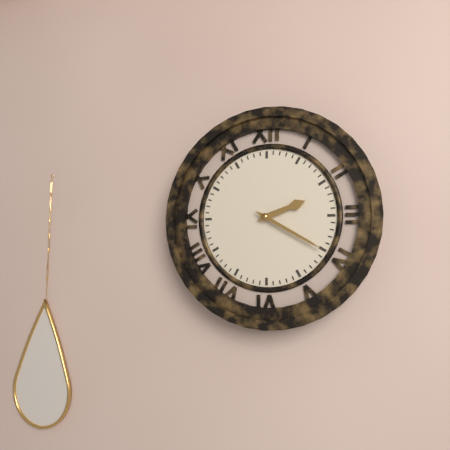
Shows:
2,20
